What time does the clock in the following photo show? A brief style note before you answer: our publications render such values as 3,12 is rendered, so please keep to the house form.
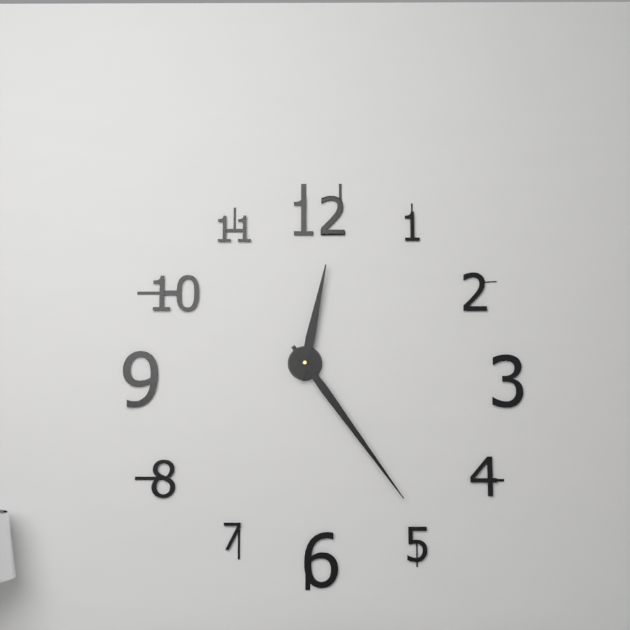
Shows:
12,24
